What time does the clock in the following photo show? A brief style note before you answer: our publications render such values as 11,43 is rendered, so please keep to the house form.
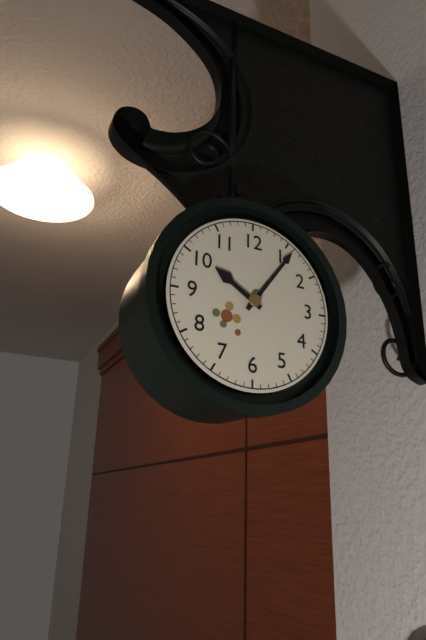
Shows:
10,06
